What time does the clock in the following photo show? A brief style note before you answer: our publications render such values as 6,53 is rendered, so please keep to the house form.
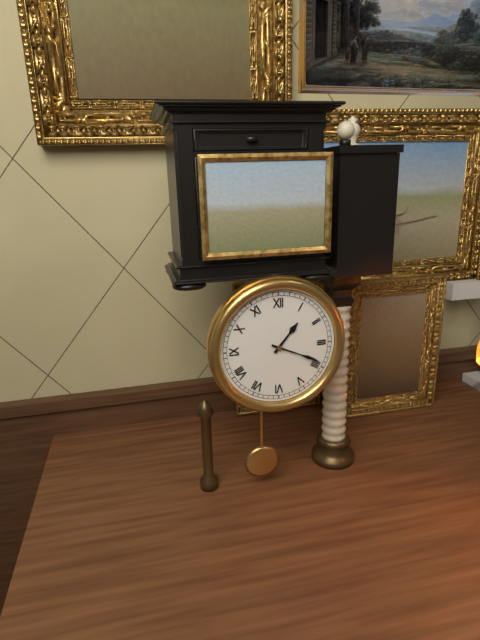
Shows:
1,19
